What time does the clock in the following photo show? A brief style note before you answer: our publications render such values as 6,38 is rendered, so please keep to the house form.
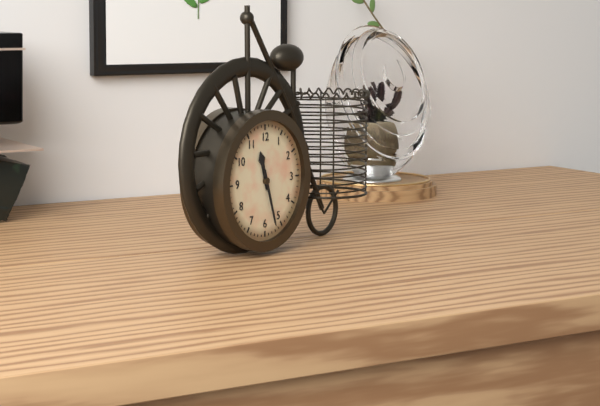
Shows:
11,27
